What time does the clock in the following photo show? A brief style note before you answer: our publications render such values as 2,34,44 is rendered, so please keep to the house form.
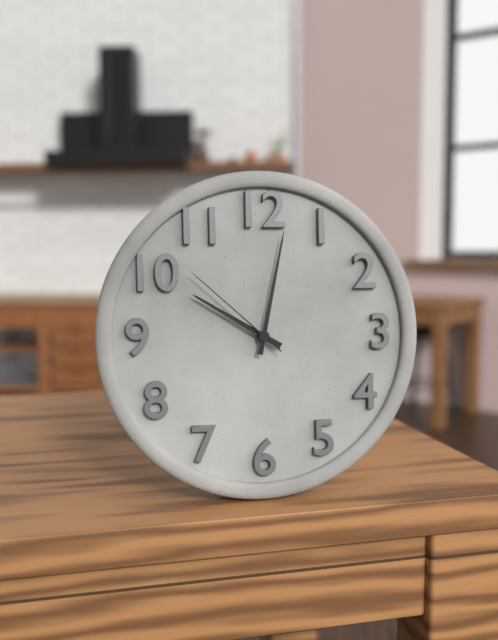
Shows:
10,02,52
